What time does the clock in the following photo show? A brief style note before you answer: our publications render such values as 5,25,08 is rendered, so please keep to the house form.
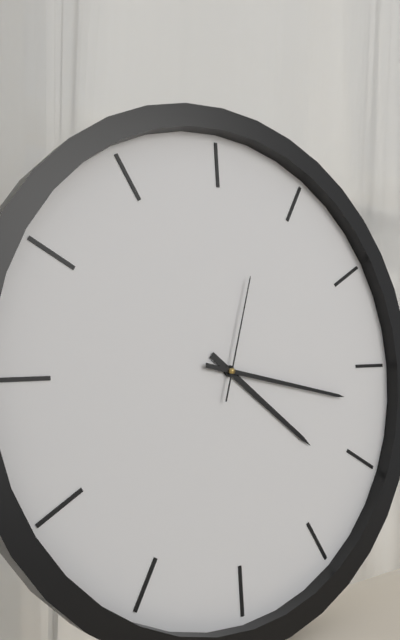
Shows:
4,17,03
